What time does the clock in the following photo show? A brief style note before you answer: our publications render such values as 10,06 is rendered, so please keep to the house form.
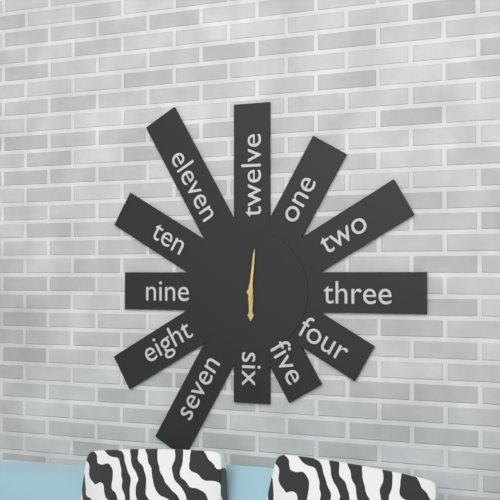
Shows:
6,01
